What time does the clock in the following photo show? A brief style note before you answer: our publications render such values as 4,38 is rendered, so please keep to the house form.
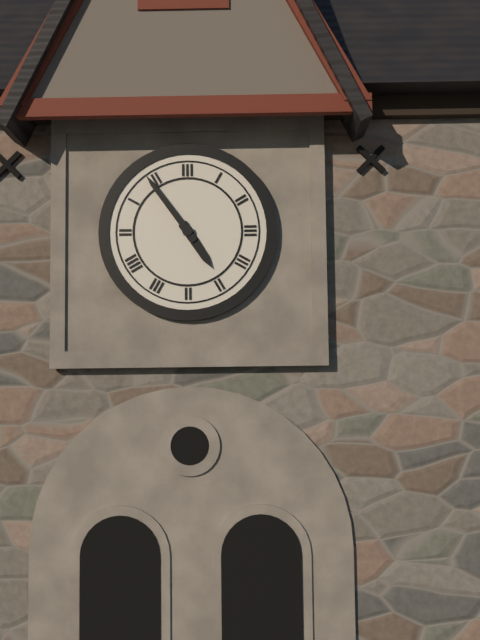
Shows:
4,54
